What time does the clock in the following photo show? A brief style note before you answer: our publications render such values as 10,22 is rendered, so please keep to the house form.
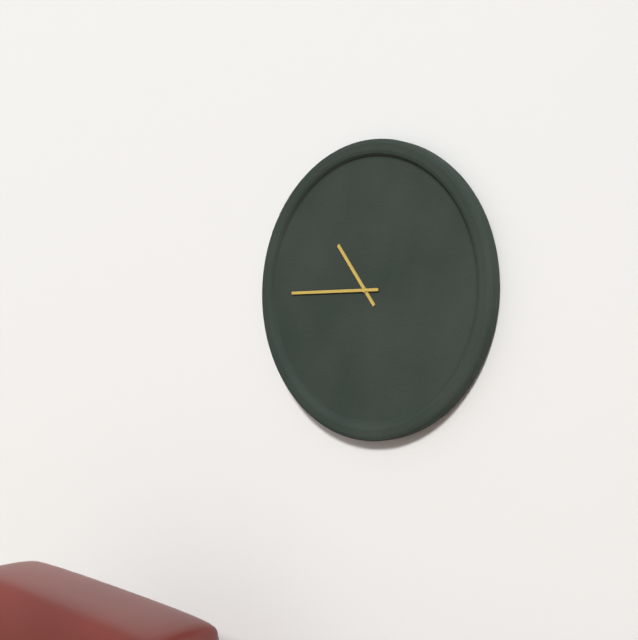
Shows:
10,45
